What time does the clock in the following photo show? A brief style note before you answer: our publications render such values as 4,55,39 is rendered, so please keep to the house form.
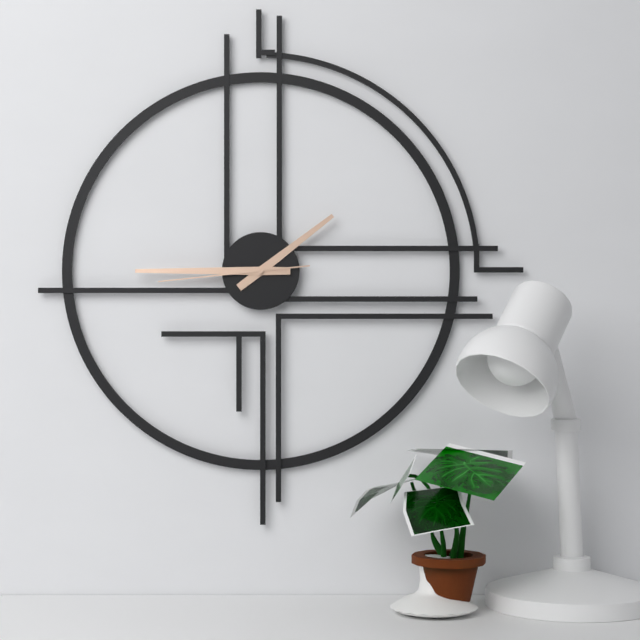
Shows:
1,45,44
